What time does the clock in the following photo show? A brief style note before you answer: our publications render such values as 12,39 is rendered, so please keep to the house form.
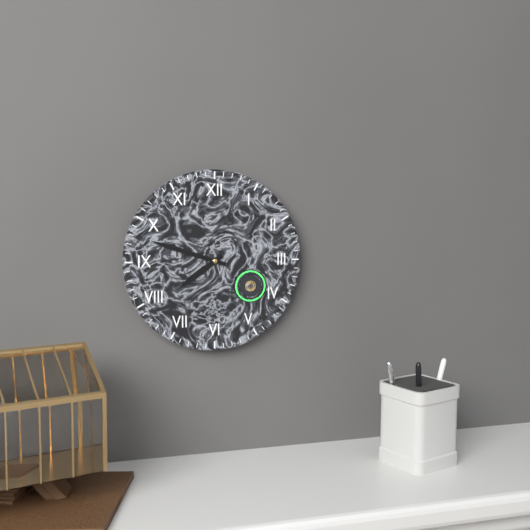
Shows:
7,48
